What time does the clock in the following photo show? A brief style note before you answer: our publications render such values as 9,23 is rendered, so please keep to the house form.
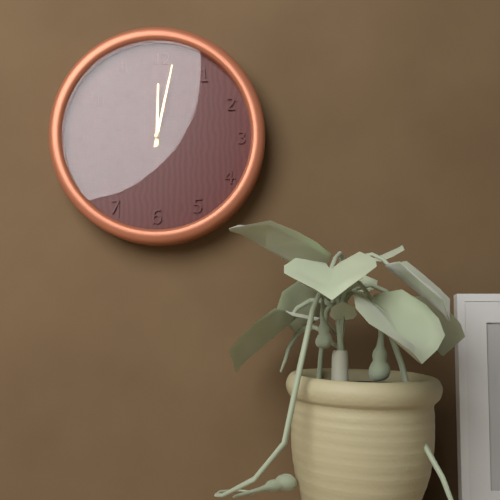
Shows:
12,02
